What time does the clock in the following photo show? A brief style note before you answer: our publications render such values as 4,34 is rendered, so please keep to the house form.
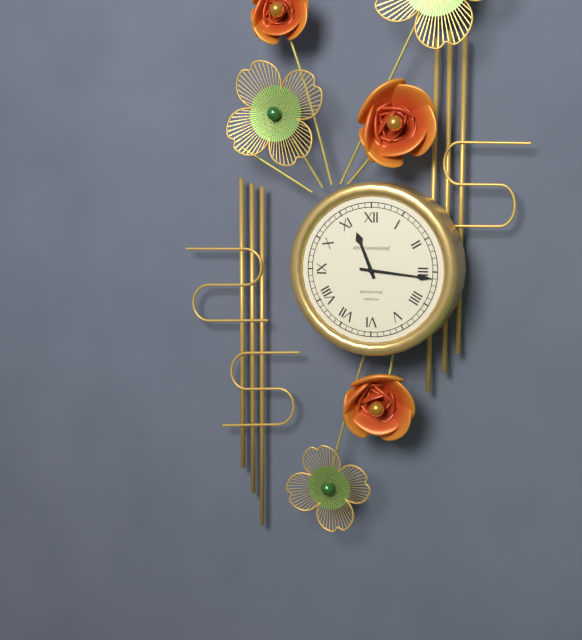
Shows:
11,16
